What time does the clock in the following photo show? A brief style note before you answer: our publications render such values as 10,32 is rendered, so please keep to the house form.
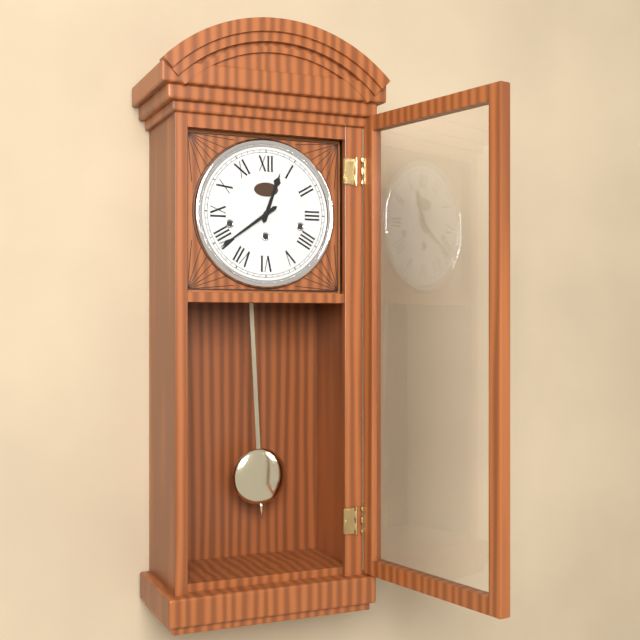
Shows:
12,39
